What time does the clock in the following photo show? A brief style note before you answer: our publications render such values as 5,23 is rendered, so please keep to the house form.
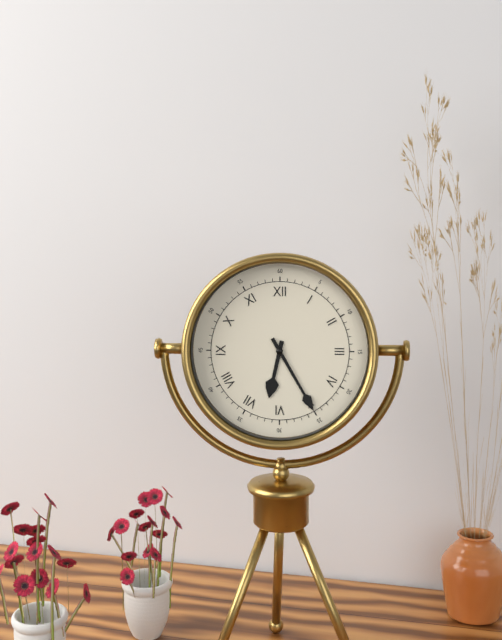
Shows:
6,25
